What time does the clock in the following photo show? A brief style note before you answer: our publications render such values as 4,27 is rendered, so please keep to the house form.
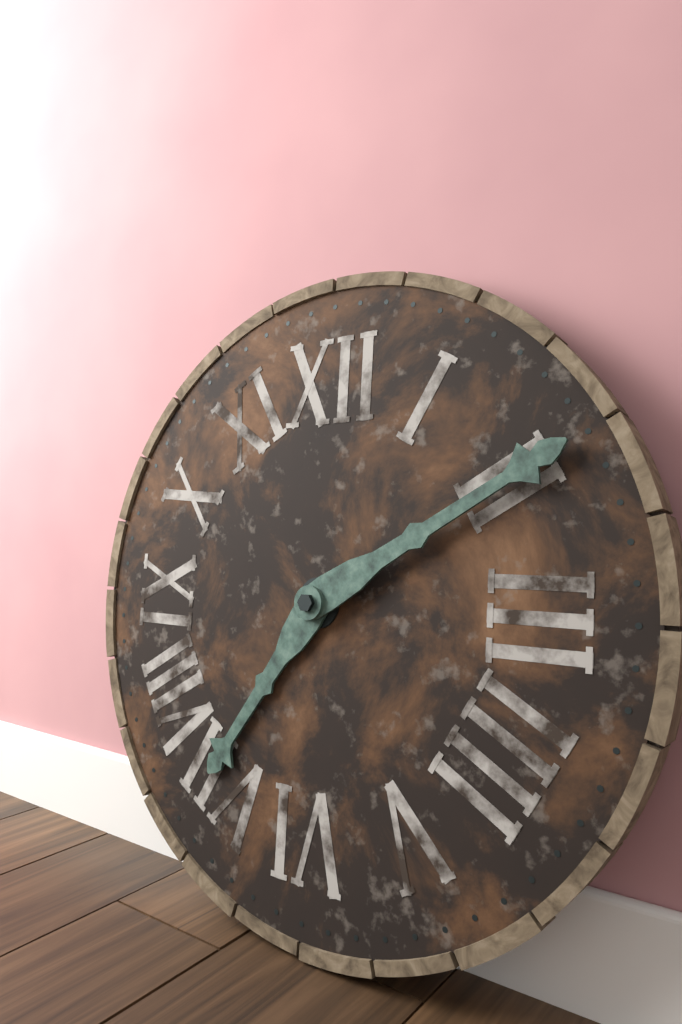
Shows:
7,10
